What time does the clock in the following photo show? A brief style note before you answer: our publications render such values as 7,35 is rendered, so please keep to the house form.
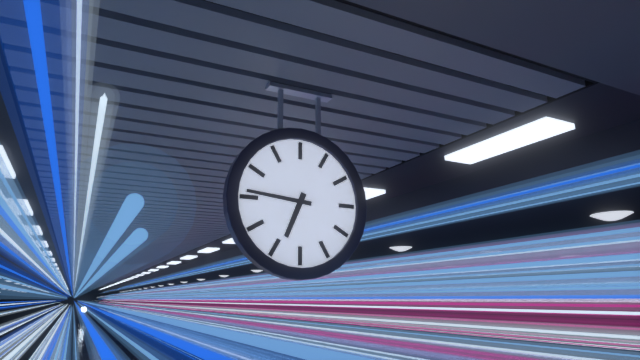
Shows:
6,46
